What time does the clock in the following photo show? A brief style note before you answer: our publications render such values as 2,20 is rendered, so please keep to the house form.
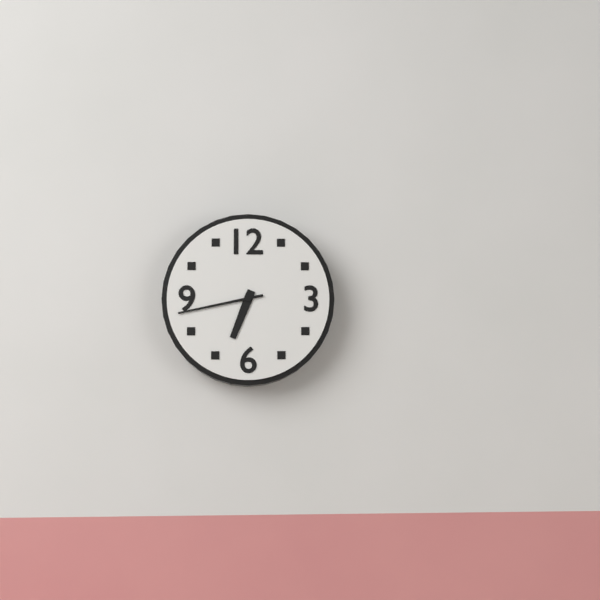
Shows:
6,43
